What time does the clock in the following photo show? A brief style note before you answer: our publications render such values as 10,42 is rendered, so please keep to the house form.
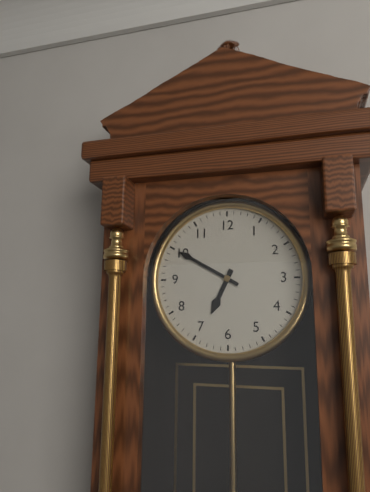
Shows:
6,50
